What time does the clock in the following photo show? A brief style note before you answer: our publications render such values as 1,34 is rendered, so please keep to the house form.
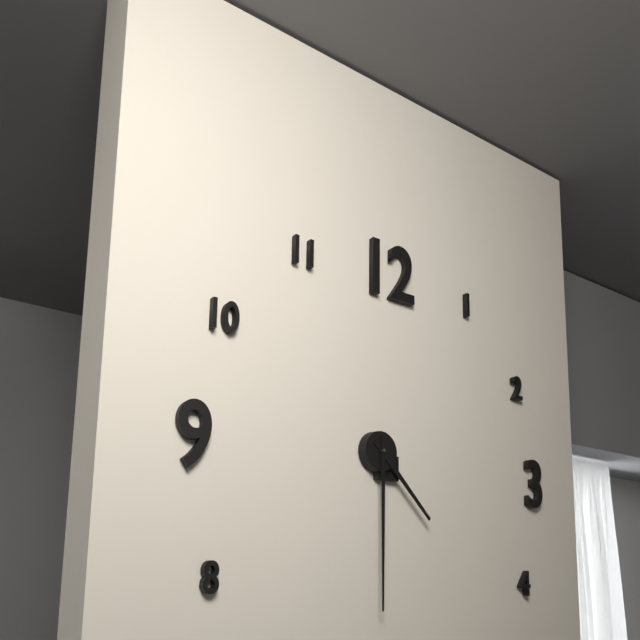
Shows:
4,30
